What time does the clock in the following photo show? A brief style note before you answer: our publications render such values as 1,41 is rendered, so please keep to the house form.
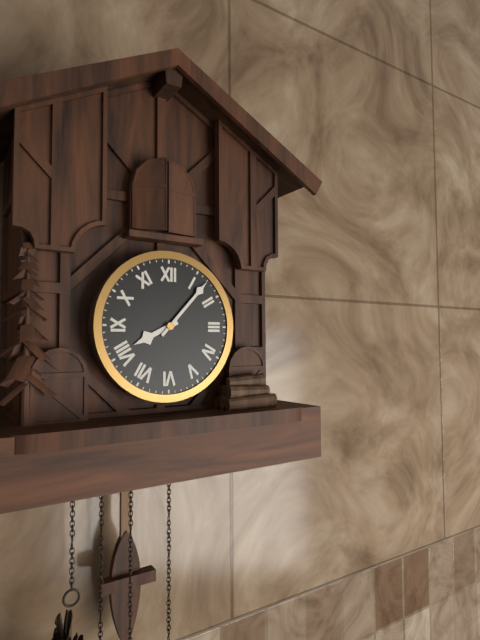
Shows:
8,07
